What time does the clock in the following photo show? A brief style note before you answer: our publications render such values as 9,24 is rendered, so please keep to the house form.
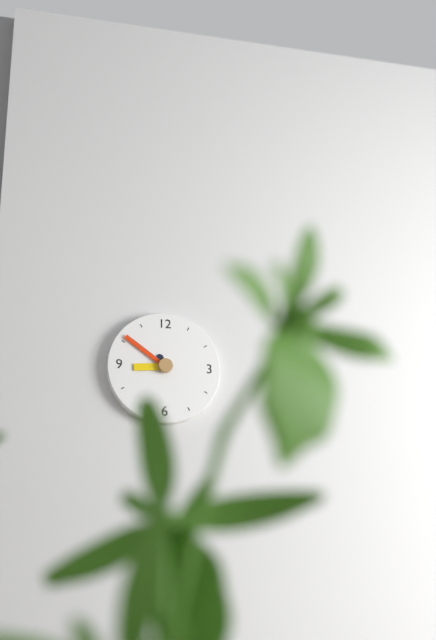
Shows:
8,51
